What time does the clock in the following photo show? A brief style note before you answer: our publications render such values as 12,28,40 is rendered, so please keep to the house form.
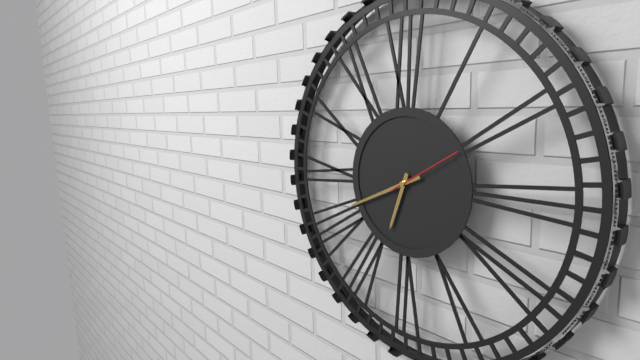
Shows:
6,41,10
